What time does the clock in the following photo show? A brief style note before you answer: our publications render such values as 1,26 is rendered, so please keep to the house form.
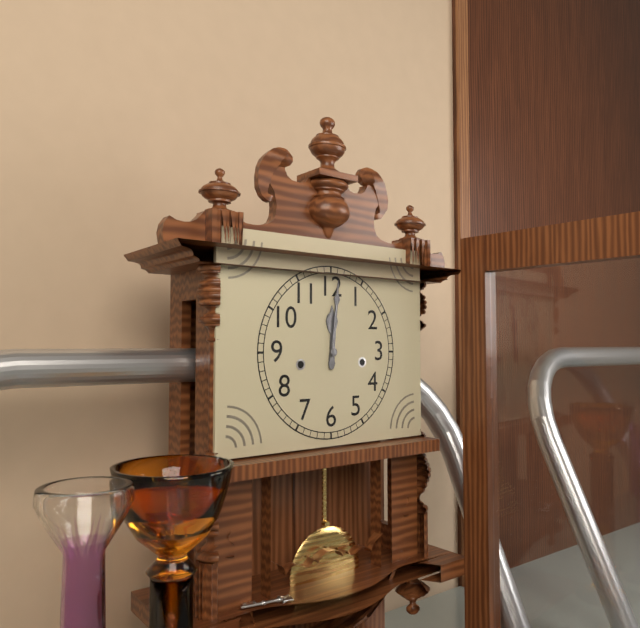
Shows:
12,01
